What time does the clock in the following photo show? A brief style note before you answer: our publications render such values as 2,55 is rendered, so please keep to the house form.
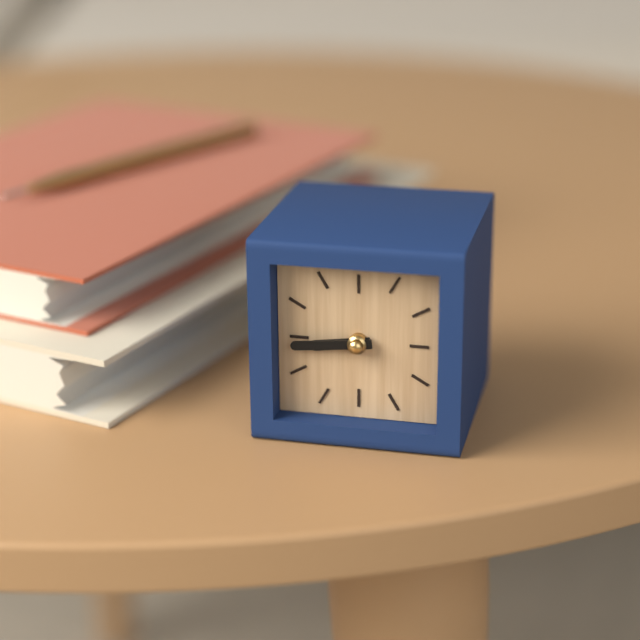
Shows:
8,44
